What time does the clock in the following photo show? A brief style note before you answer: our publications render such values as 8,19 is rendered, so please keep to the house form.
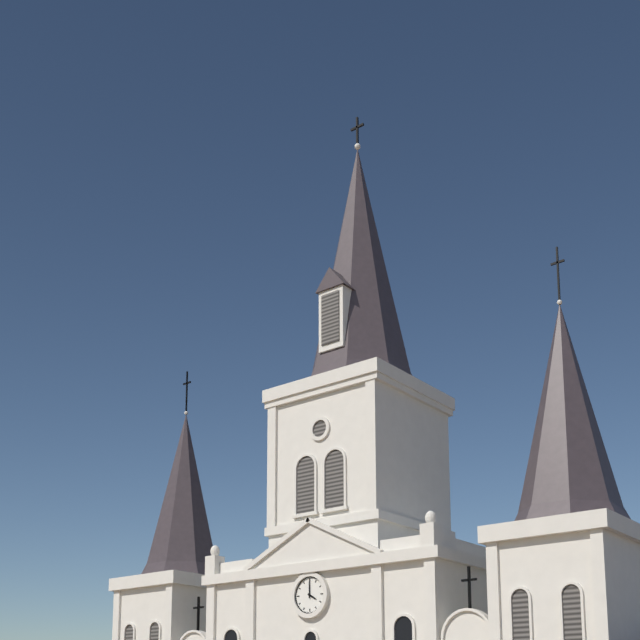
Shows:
4,00
